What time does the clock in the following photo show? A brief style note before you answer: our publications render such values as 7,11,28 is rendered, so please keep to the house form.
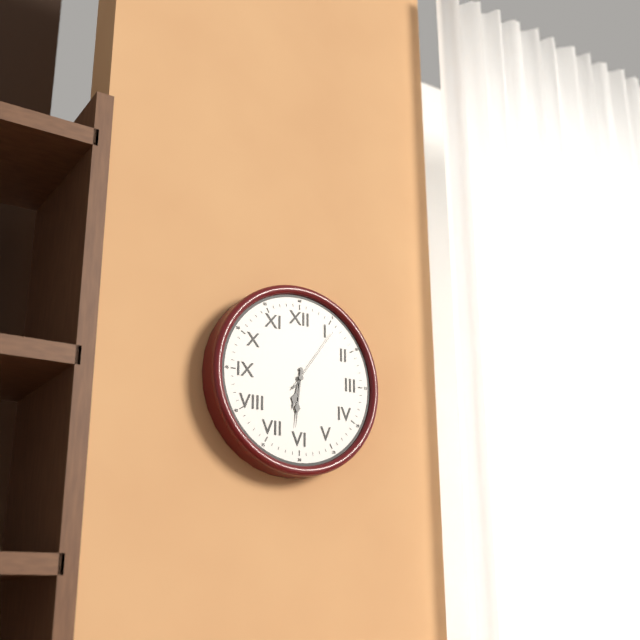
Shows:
6,31,06
